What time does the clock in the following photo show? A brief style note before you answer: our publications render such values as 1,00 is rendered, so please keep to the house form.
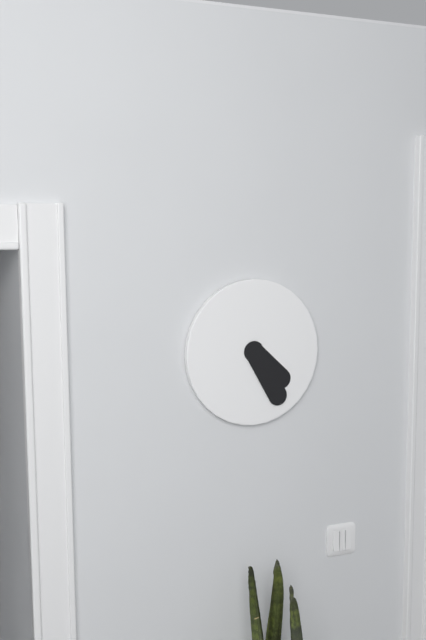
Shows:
4,25
